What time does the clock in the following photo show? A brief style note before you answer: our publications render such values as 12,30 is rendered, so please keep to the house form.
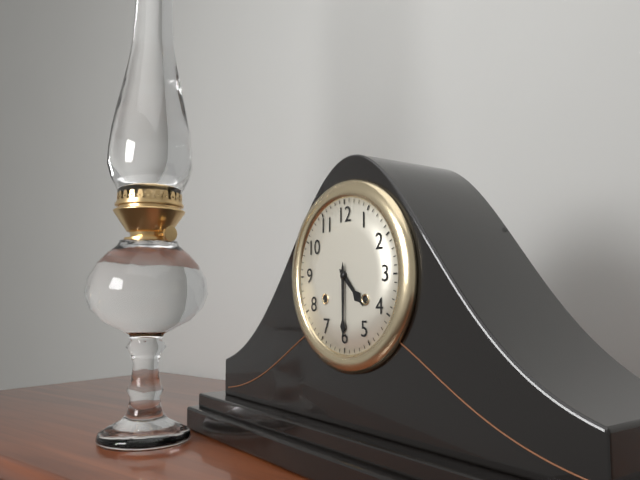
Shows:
4,30
